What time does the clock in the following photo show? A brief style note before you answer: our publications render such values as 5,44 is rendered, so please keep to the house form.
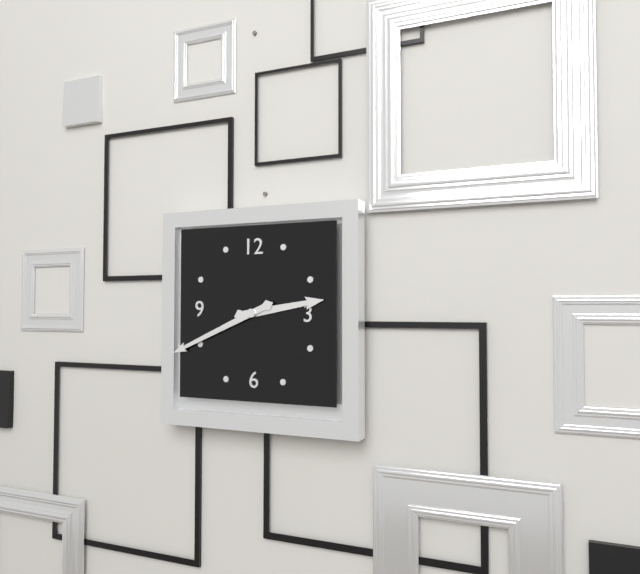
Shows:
2,41
